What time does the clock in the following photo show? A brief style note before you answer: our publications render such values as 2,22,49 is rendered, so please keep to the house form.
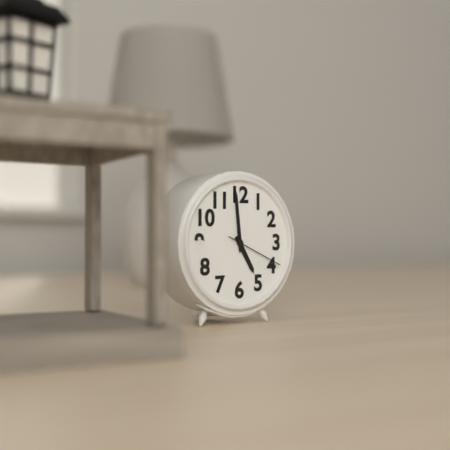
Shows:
4,59,19
